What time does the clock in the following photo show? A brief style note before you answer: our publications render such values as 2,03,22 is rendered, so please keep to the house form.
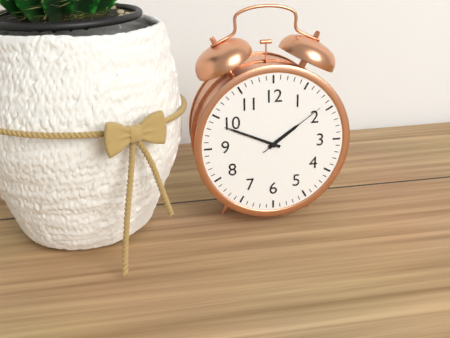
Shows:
1,49,09
